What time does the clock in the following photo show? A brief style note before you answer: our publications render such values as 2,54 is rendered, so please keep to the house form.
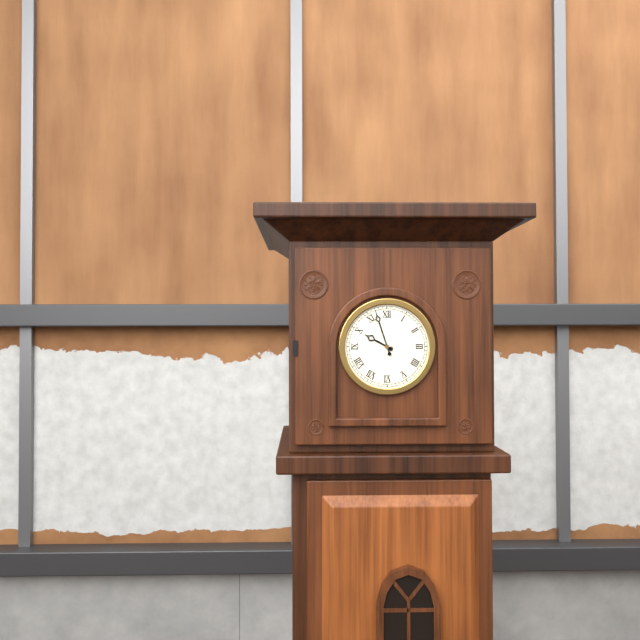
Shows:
9,57
